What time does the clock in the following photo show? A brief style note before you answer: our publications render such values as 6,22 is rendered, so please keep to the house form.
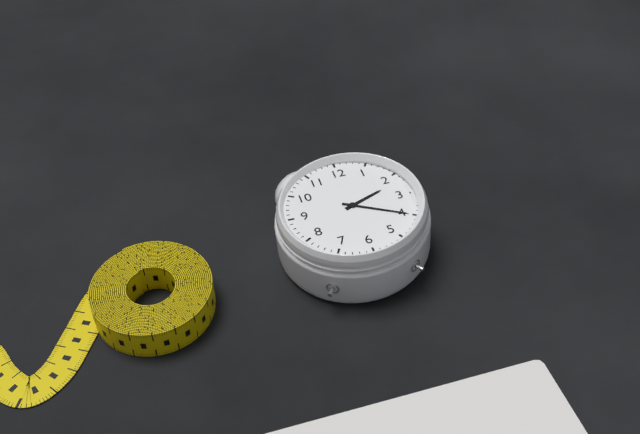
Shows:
2,20
